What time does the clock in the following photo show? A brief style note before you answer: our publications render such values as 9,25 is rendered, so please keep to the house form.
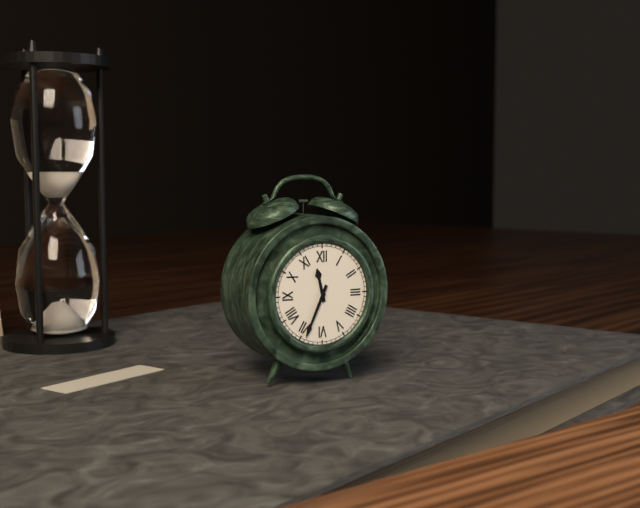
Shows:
11,34
